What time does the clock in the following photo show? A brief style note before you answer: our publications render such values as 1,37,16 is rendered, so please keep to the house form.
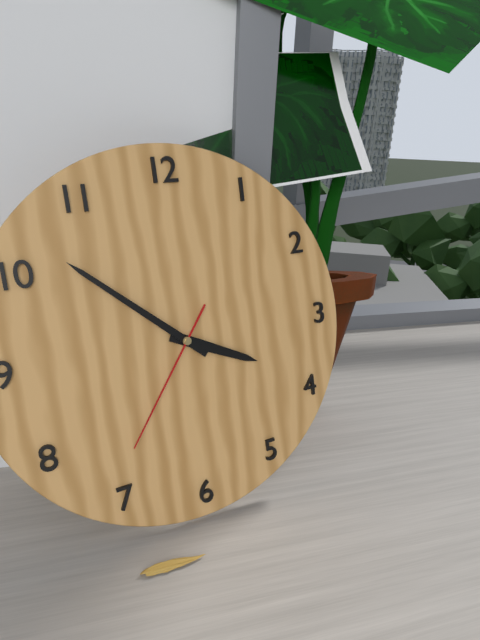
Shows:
3,52,36
